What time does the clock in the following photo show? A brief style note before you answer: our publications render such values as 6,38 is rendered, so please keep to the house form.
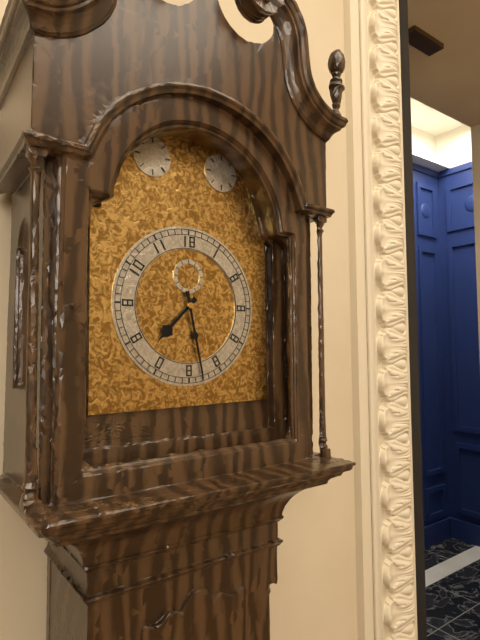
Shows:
7,28
